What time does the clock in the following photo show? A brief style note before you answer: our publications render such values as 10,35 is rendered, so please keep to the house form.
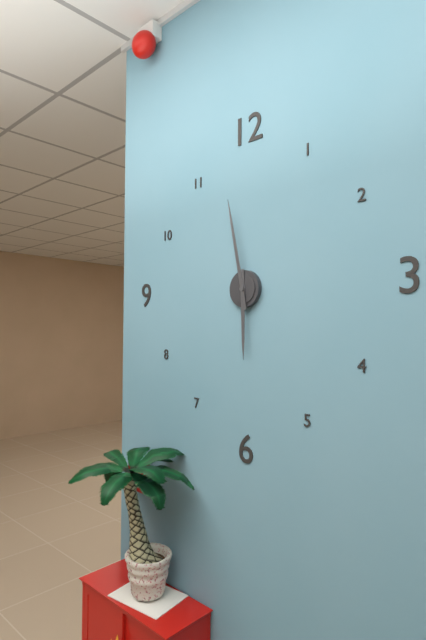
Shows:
5,58
